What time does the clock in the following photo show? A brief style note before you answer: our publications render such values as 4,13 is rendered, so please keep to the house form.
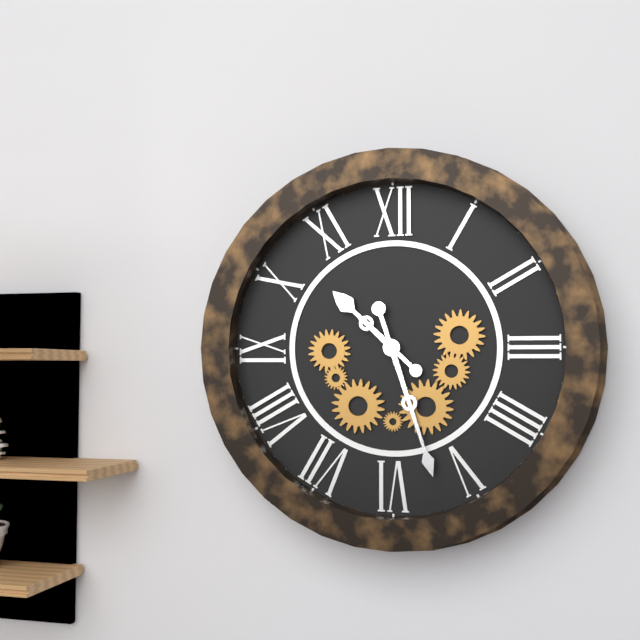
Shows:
10,27
